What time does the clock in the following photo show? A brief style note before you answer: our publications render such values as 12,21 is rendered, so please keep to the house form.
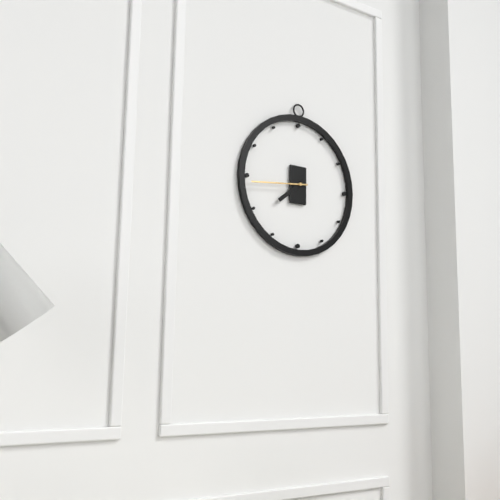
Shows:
7,44
